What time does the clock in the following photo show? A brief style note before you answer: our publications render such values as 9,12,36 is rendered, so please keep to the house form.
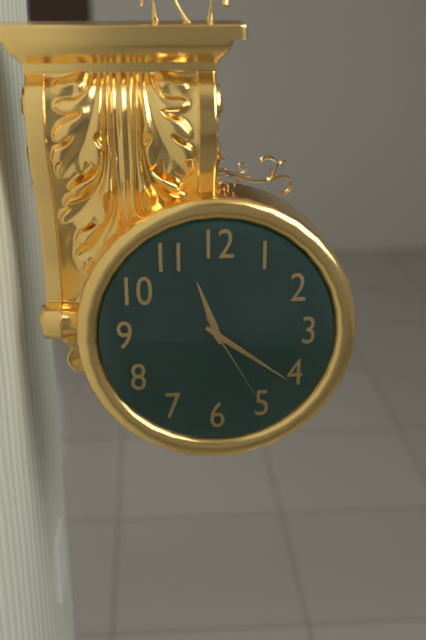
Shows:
11,21,25
